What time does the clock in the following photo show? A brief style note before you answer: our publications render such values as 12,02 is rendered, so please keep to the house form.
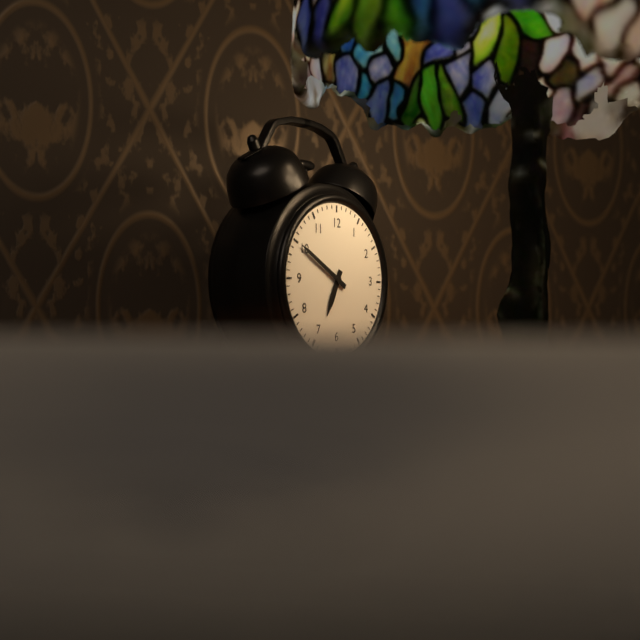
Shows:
6,50
